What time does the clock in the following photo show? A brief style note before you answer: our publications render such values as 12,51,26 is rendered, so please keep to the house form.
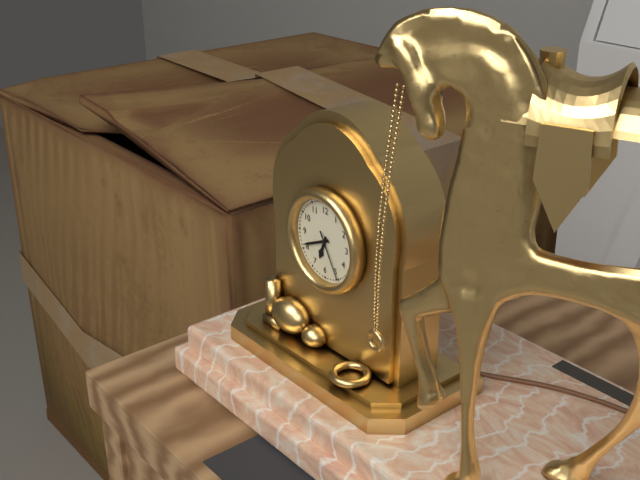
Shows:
6,41,25
